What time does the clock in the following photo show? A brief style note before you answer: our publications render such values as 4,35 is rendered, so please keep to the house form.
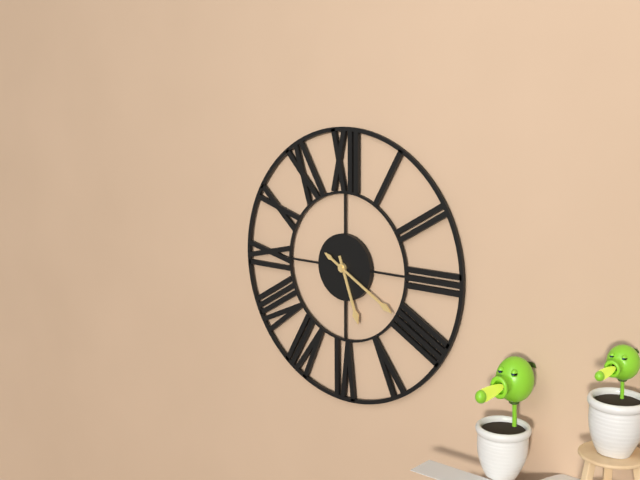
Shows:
5,20
